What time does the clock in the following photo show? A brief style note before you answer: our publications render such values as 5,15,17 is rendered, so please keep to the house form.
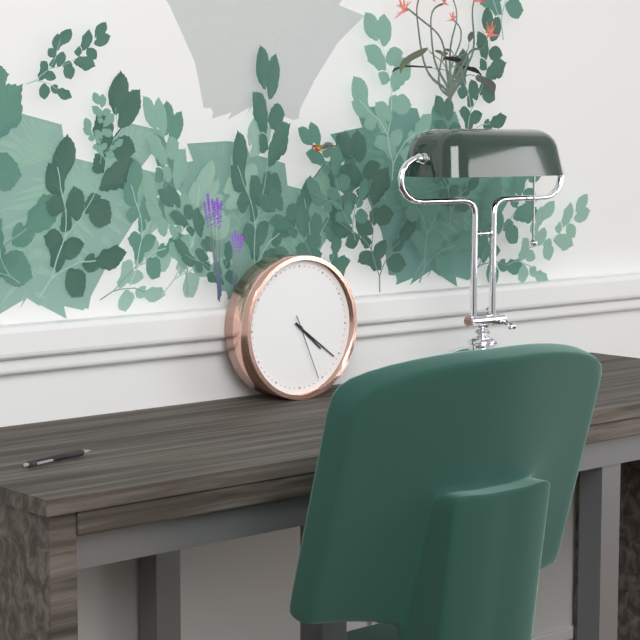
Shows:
4,21,26
